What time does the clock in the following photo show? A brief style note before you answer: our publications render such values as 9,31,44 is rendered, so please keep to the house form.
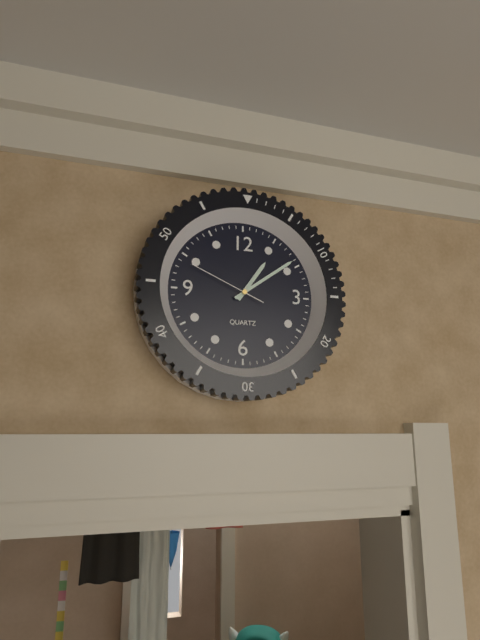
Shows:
1,09,49
